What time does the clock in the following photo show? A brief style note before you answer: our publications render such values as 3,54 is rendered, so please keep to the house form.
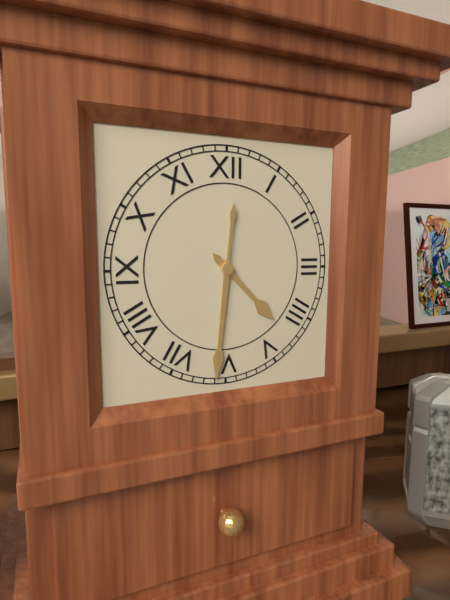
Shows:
4,31
